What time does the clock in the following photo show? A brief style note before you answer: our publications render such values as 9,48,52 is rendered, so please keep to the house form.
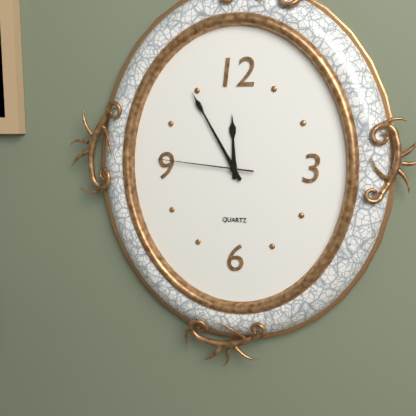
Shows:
11,55,46
